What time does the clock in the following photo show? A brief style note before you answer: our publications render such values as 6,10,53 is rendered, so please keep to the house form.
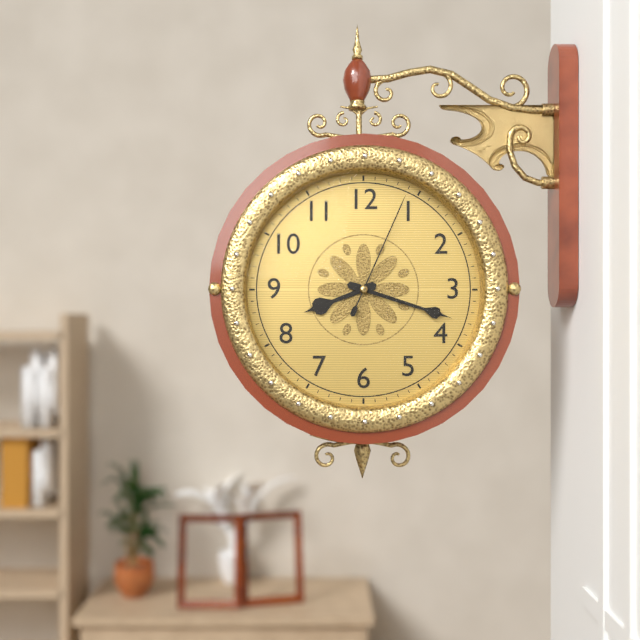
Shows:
8,18,04
